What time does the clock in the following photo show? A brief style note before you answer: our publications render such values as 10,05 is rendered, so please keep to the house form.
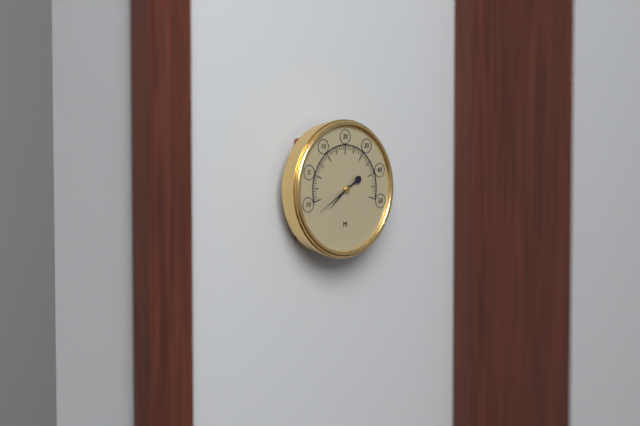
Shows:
7,40
